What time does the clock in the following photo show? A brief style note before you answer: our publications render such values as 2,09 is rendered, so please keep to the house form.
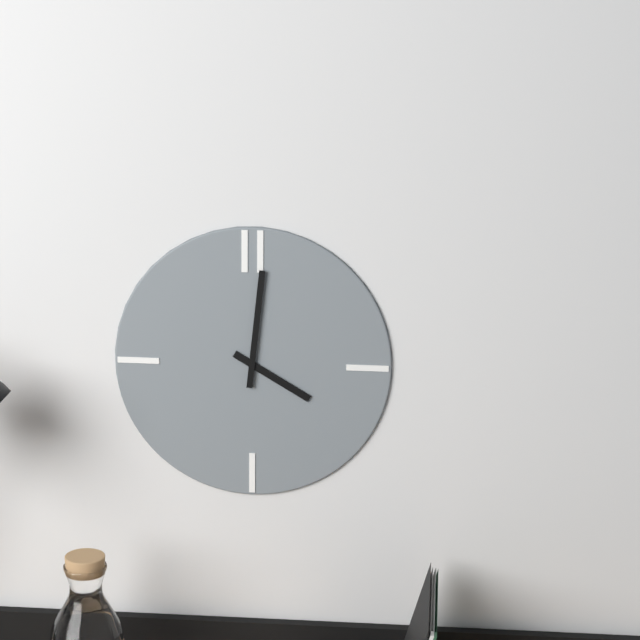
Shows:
4,01
